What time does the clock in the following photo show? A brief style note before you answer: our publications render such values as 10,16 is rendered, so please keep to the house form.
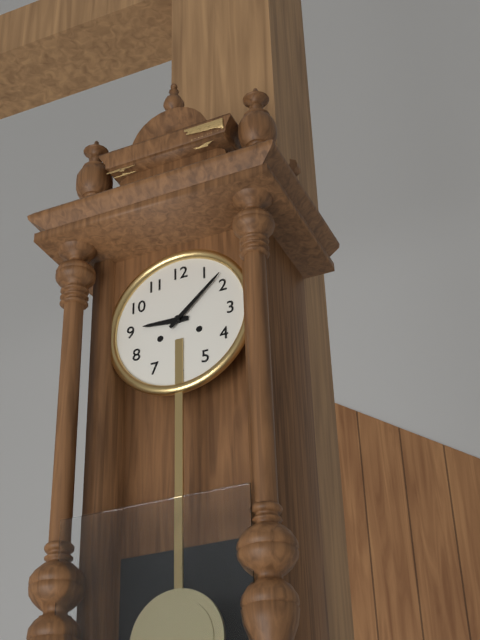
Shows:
9,08
